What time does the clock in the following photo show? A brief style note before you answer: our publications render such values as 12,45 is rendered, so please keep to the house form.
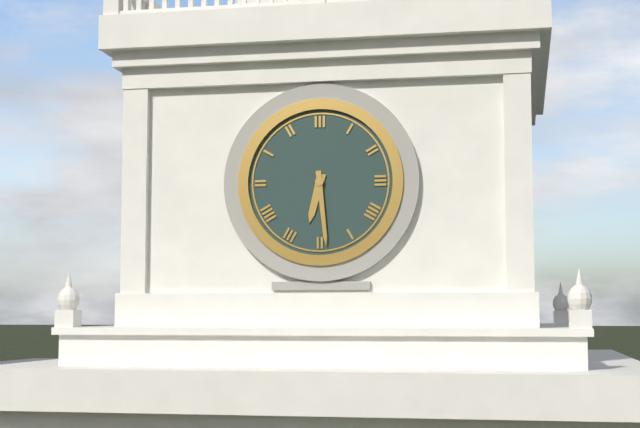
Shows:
6,29
